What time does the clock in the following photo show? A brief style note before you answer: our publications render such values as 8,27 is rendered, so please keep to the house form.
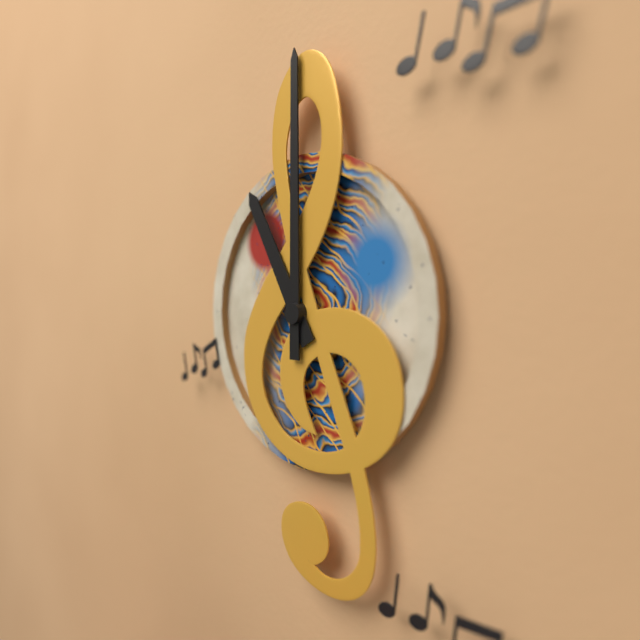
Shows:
11,00
